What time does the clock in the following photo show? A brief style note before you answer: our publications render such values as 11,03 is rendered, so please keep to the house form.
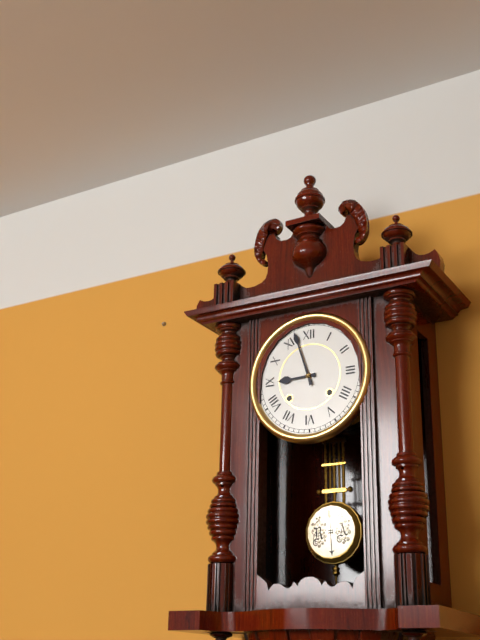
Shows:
8,57
